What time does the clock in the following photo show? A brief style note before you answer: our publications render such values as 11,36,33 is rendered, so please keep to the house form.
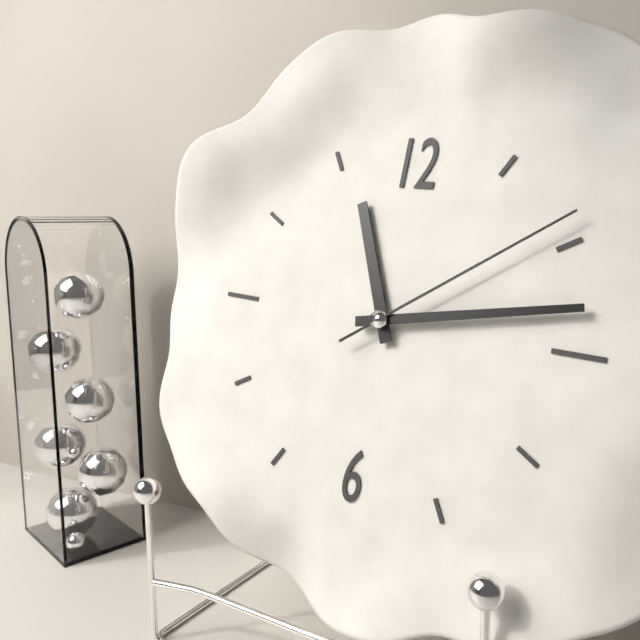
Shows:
11,13,09
